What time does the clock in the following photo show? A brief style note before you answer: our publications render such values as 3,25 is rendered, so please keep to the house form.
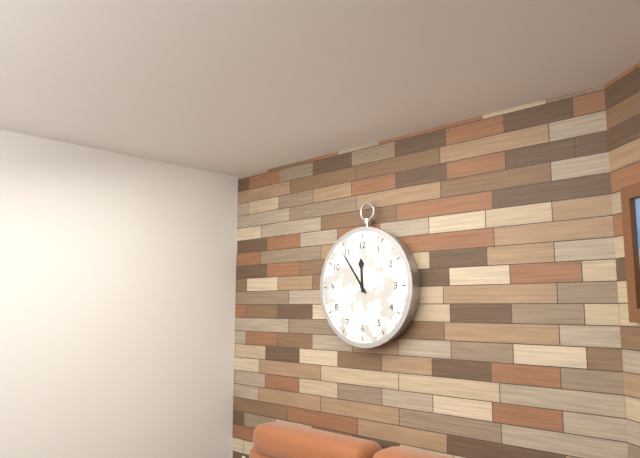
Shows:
11,54
